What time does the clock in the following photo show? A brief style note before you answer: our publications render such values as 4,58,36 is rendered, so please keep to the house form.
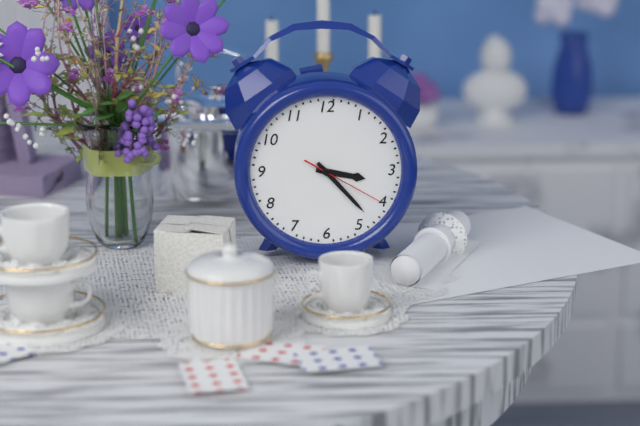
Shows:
3,23,20
